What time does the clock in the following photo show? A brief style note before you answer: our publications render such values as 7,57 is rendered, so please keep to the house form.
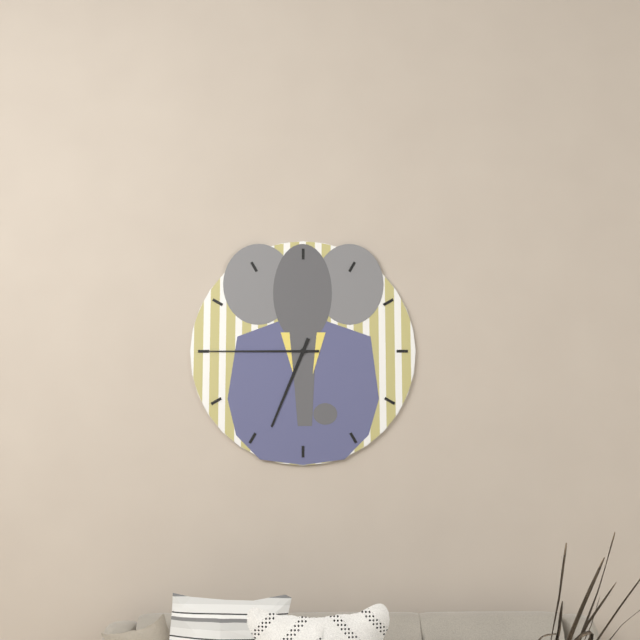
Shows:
6,45
